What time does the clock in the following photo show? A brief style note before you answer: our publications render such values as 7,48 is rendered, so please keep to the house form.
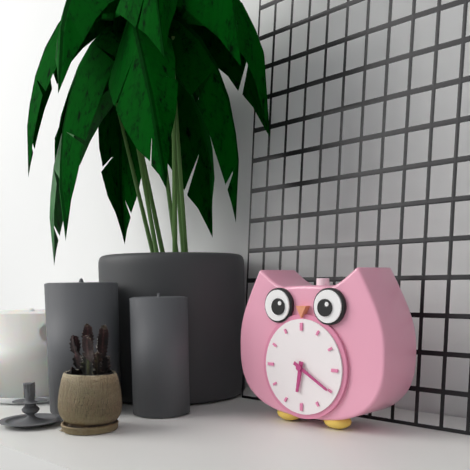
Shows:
6,20
